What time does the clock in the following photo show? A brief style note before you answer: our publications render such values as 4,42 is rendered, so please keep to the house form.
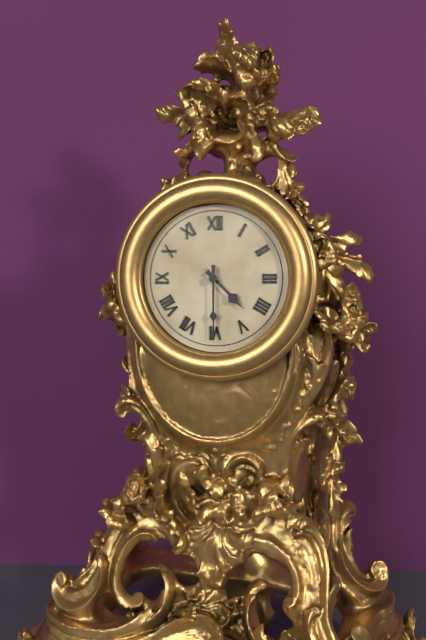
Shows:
4,30
